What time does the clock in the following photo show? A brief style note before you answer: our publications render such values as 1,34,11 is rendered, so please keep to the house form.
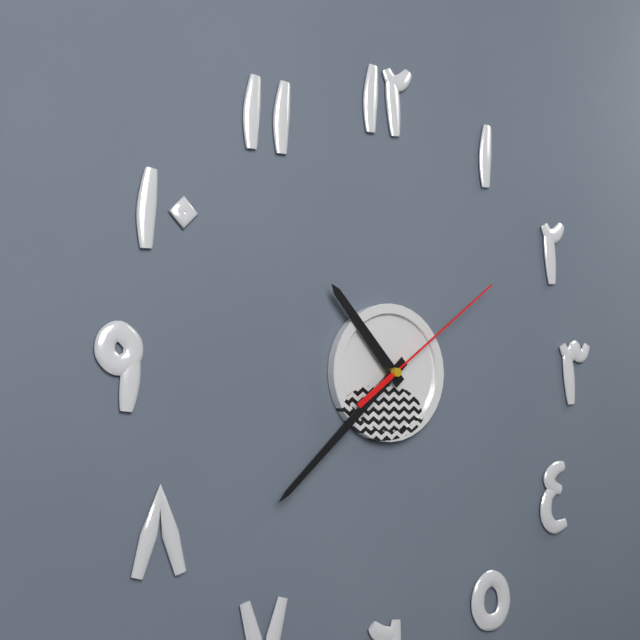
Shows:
10,38,09
